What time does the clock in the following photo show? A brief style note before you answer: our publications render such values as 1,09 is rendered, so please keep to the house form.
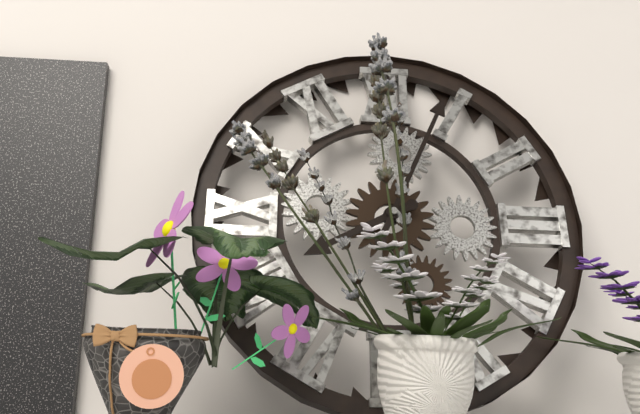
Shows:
8,04
